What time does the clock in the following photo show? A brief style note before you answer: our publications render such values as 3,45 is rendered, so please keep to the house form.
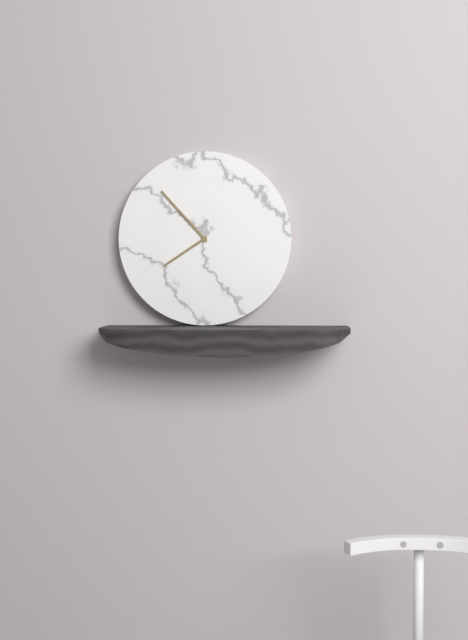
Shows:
7,53
